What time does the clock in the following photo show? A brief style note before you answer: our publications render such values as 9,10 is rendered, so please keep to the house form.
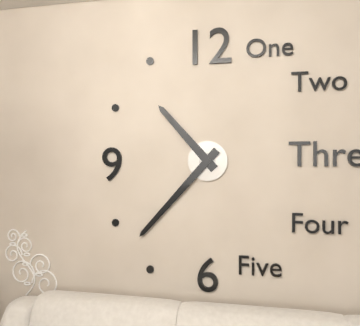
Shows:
10,37
